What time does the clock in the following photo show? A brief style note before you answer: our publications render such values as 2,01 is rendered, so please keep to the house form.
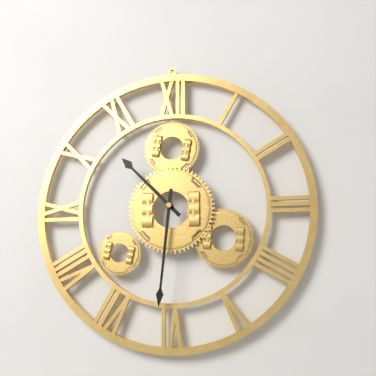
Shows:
10,31
